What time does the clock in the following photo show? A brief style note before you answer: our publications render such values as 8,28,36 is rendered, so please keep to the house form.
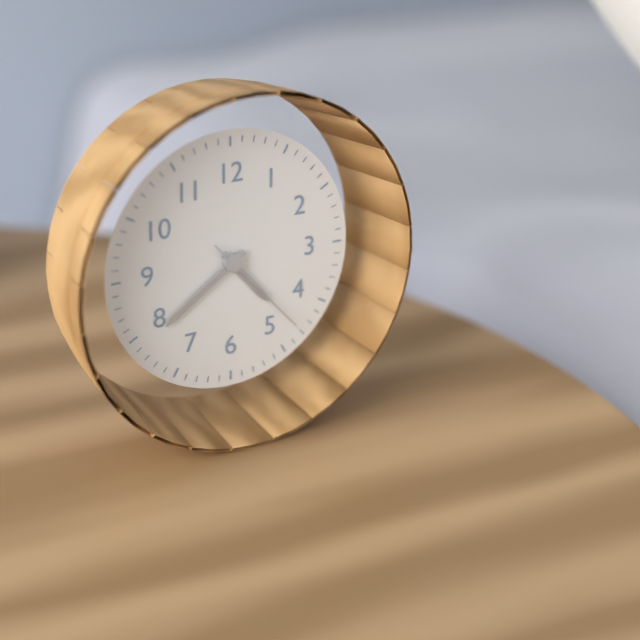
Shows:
4,39,23
